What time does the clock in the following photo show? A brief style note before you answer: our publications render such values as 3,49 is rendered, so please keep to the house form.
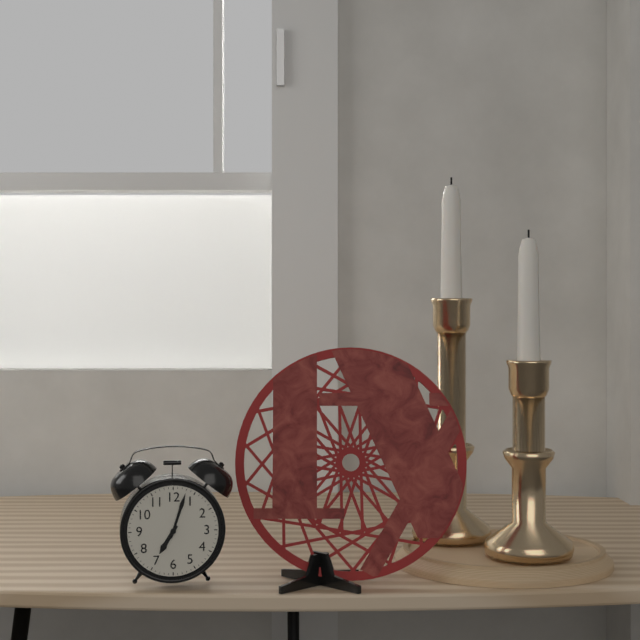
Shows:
7,03
